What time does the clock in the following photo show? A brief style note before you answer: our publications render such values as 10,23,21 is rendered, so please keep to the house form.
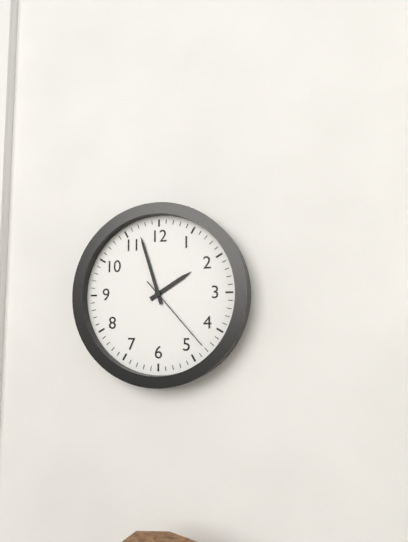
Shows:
1,57,23
